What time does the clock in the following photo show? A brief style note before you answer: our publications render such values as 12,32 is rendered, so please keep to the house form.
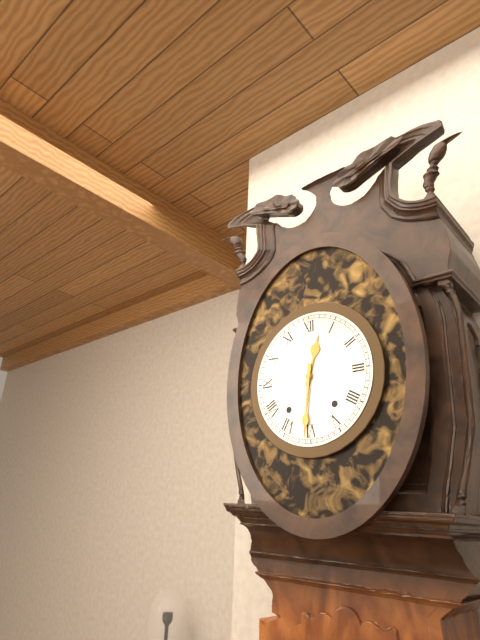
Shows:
12,31
